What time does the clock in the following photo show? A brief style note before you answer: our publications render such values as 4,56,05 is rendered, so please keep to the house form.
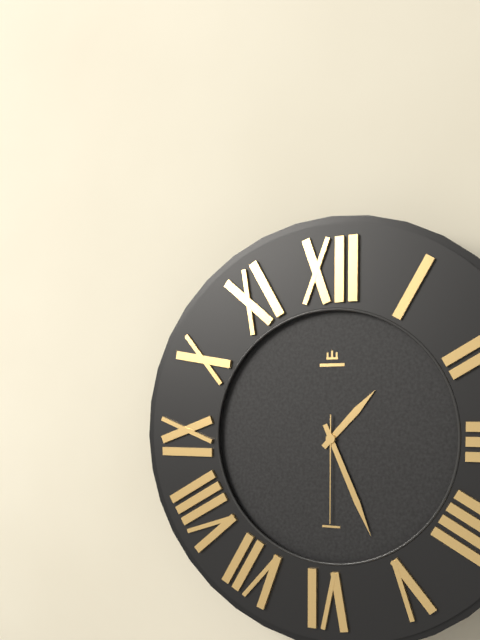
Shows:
1,26,30
